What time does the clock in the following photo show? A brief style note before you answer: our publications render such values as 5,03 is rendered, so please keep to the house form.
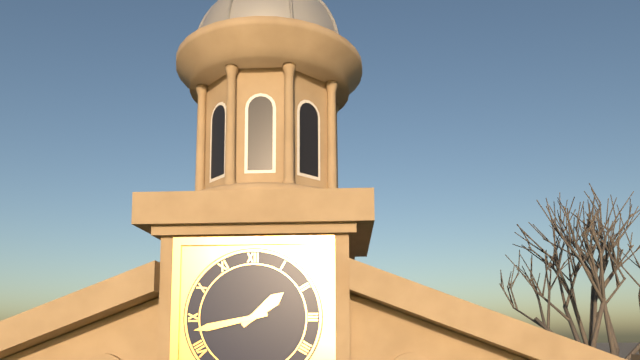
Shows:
1,43
